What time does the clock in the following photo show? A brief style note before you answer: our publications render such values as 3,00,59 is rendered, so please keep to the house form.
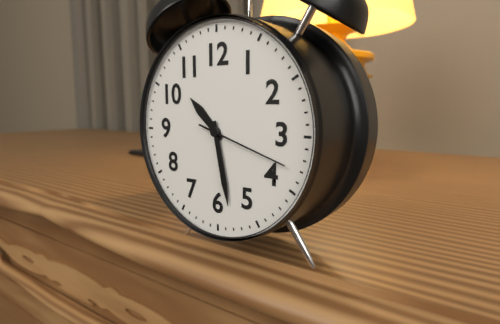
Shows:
10,28,18
